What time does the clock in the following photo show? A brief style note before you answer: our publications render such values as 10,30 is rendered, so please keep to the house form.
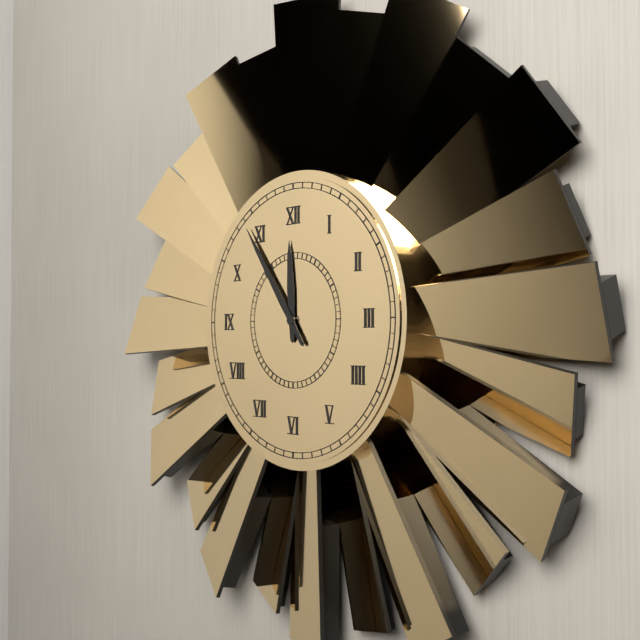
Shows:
11,54
